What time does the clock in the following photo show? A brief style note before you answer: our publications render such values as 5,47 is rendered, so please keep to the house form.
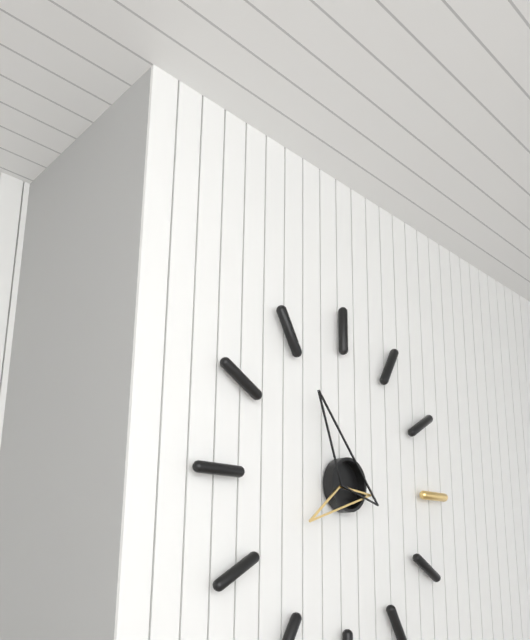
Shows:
7,55
